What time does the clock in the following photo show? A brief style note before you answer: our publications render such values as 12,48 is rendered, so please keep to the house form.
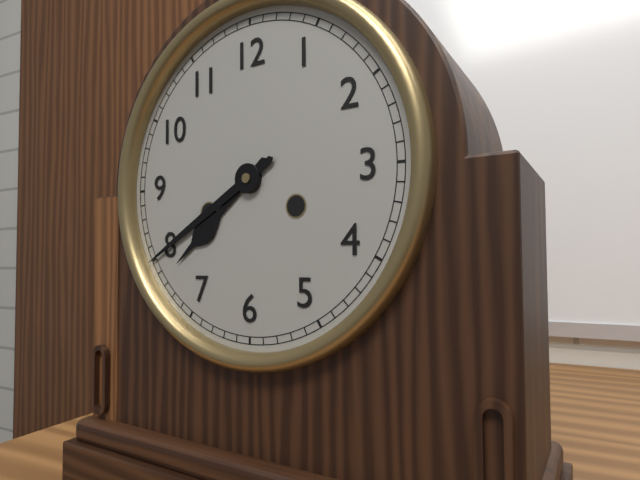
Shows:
7,40
